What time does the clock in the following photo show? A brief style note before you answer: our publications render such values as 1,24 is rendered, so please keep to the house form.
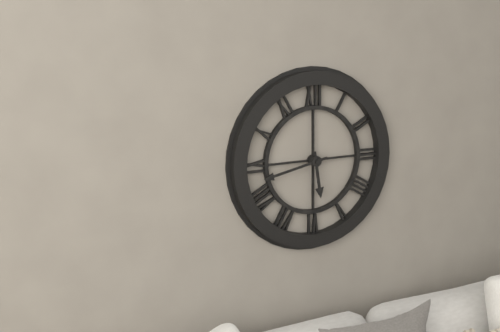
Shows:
5,43
